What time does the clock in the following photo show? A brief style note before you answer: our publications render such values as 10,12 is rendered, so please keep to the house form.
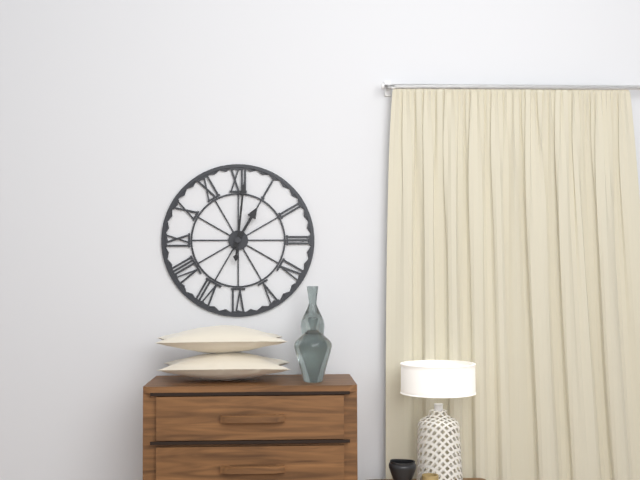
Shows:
1,01
